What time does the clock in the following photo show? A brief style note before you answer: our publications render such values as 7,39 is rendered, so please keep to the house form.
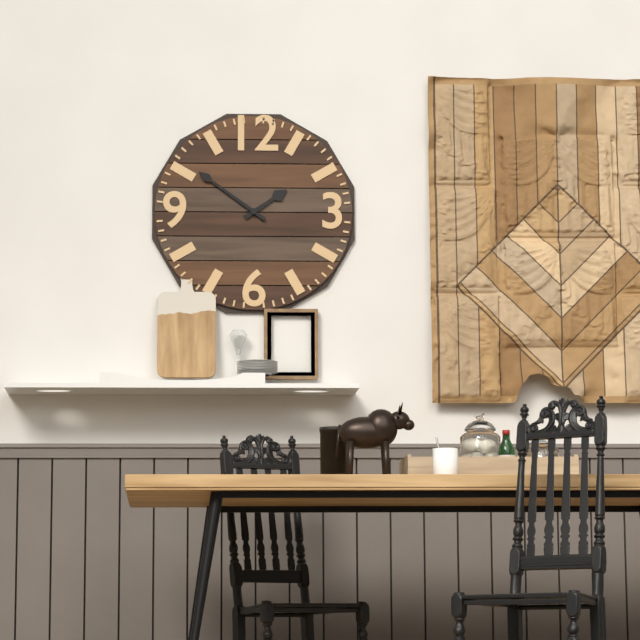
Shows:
1,51
